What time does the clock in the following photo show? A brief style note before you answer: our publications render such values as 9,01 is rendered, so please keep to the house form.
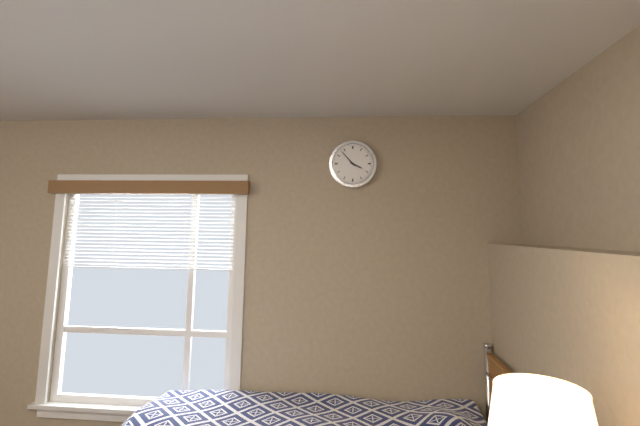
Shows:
3,53
